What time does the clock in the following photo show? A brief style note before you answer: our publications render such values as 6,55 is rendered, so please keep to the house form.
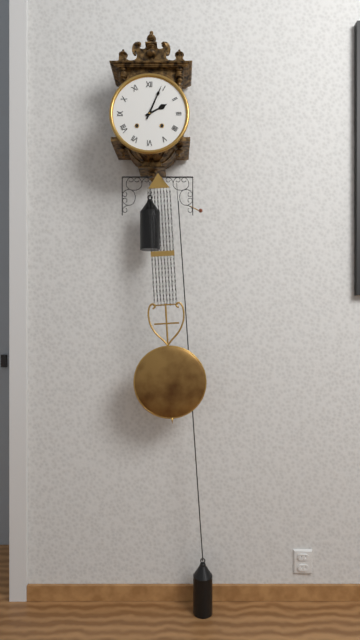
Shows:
2,04
